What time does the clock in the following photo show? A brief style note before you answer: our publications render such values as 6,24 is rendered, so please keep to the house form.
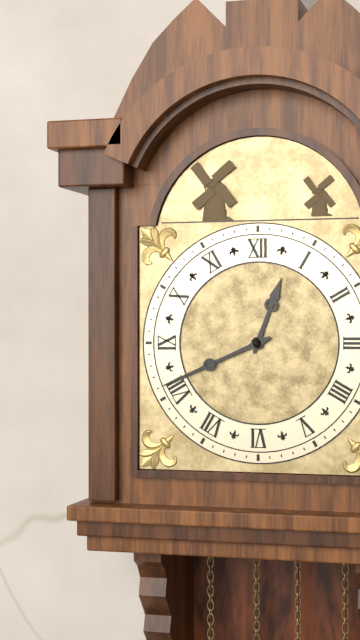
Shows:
12,41
